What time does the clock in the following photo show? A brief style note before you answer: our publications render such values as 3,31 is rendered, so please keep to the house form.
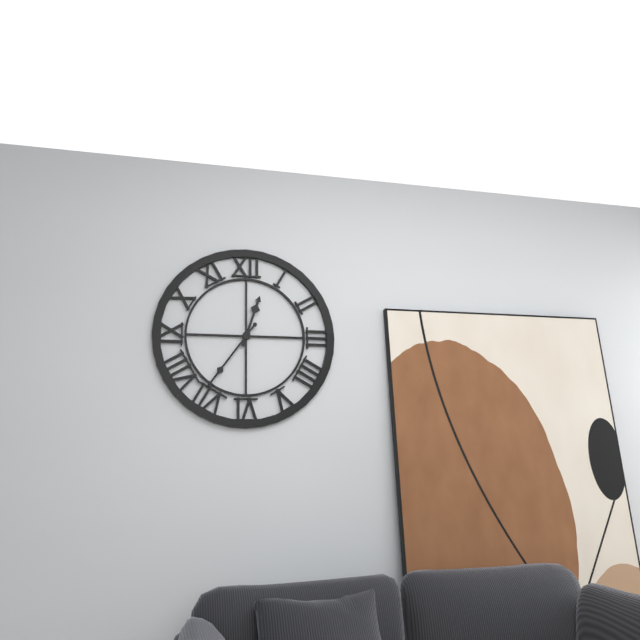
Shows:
12,36
